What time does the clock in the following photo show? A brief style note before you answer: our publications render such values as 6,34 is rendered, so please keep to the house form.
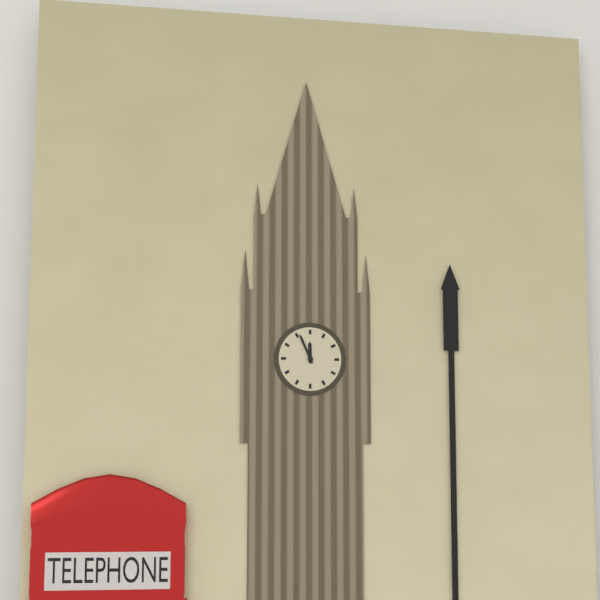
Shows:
11,56
